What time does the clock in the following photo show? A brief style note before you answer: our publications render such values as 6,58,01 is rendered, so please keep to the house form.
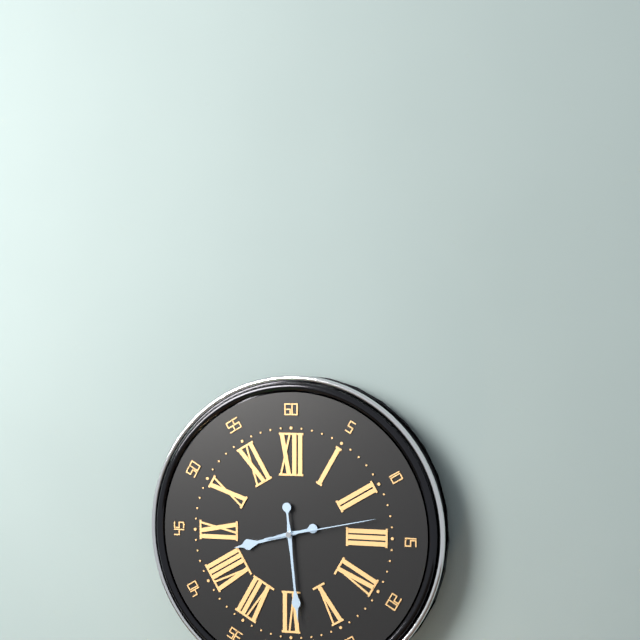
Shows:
8,29,13
